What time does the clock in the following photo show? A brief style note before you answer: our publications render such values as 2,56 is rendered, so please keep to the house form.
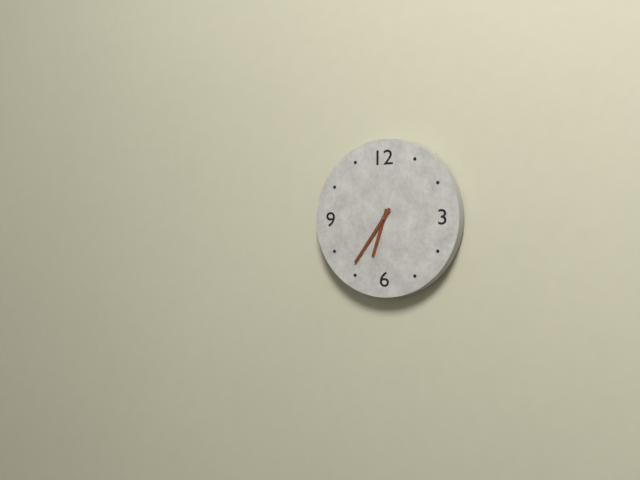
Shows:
6,36
